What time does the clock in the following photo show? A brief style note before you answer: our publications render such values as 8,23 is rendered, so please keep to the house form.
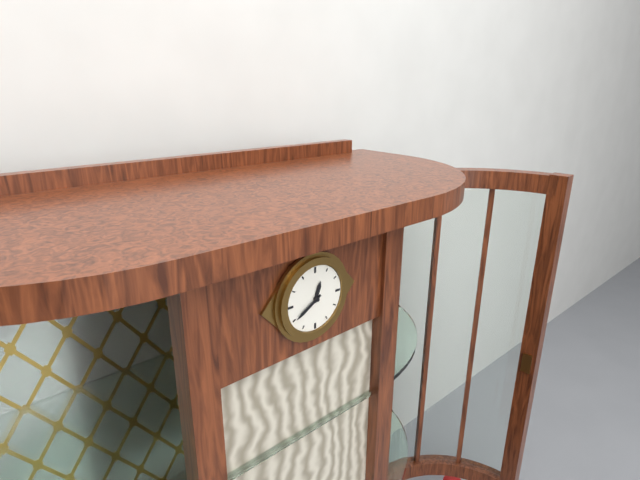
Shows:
12,40
